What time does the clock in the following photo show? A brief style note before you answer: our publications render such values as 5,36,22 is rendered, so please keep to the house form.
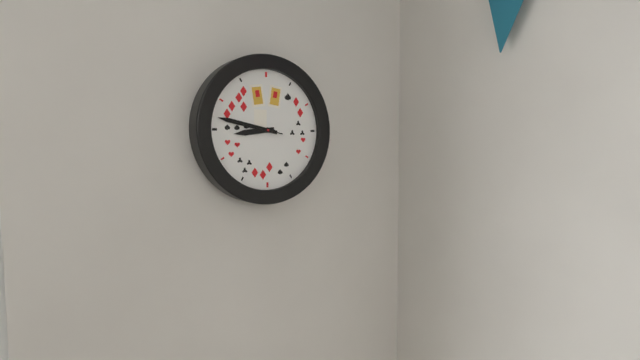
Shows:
8,47,47
